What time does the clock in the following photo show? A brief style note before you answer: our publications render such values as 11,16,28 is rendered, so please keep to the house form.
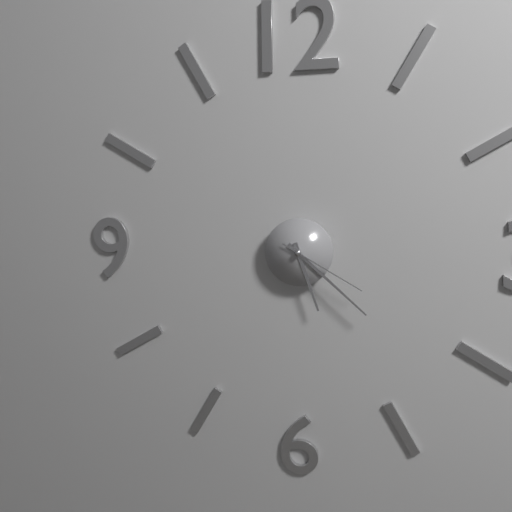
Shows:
5,22,20
